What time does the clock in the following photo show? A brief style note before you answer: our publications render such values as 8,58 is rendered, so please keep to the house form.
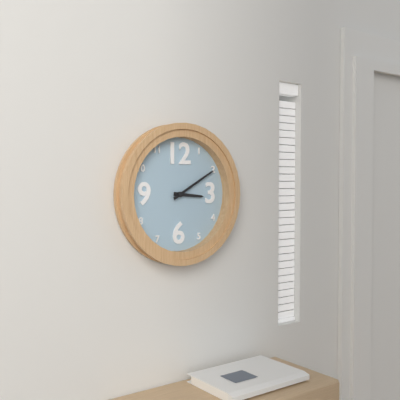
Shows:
3,10
